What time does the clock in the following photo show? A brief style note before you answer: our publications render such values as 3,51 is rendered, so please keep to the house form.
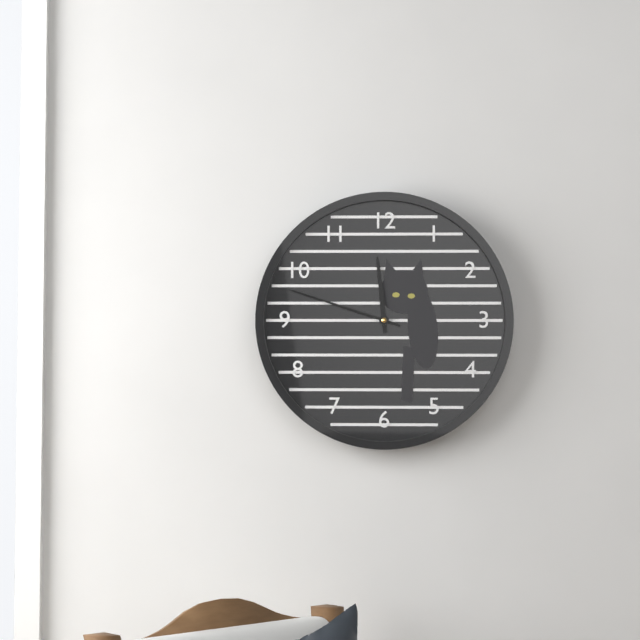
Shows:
11,48
